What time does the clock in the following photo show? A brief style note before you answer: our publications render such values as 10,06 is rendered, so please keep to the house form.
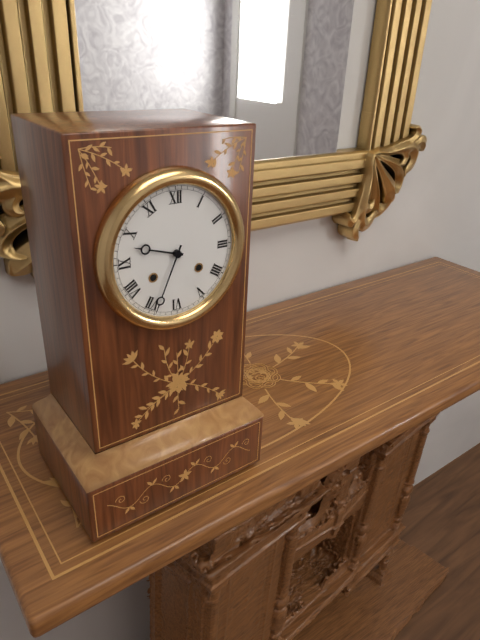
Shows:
9,34
